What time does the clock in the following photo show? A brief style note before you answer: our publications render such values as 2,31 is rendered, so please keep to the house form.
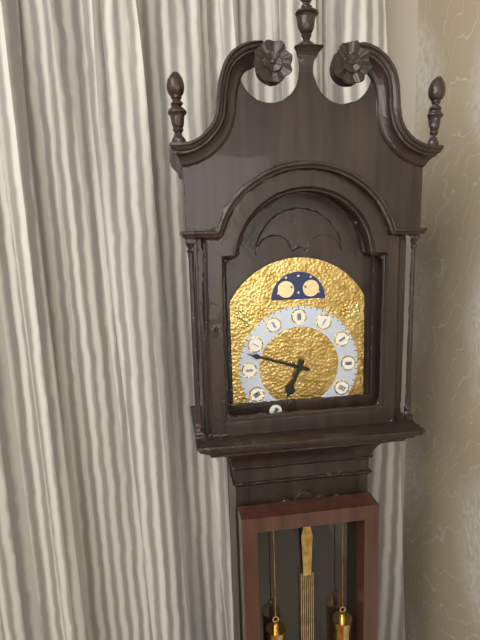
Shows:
6,48
